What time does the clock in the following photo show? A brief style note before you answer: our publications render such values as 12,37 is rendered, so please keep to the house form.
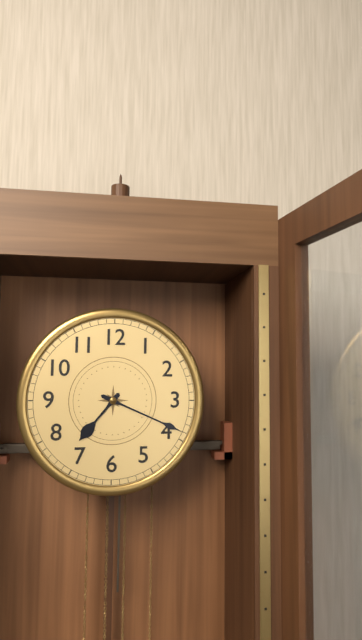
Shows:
7,19
